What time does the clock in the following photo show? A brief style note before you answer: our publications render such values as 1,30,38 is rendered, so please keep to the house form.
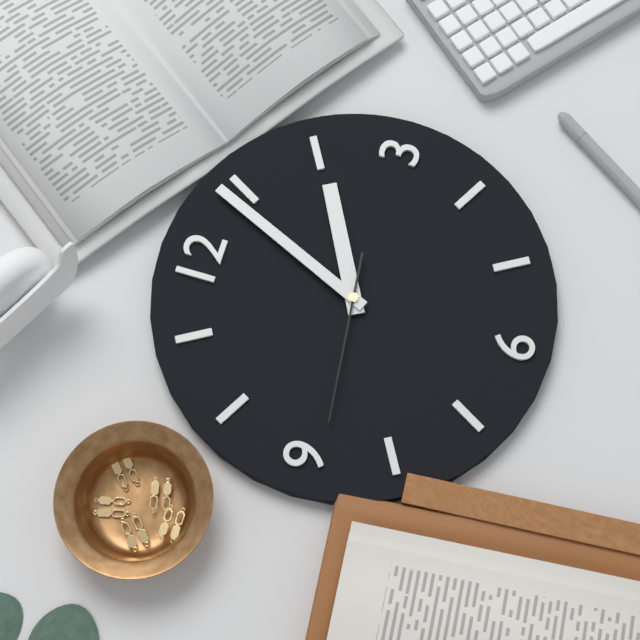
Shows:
2,04,44
